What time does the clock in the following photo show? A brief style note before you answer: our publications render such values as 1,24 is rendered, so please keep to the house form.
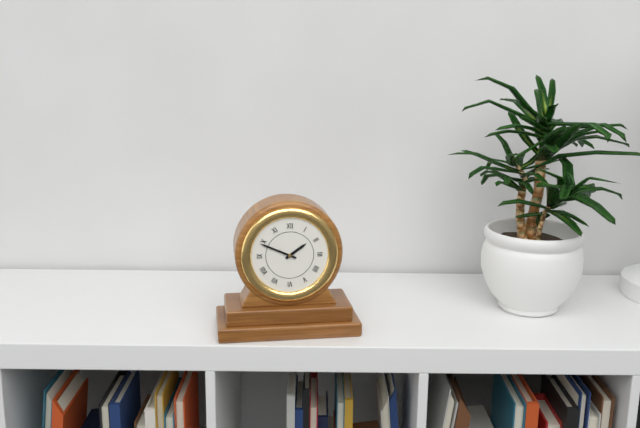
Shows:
1,49
